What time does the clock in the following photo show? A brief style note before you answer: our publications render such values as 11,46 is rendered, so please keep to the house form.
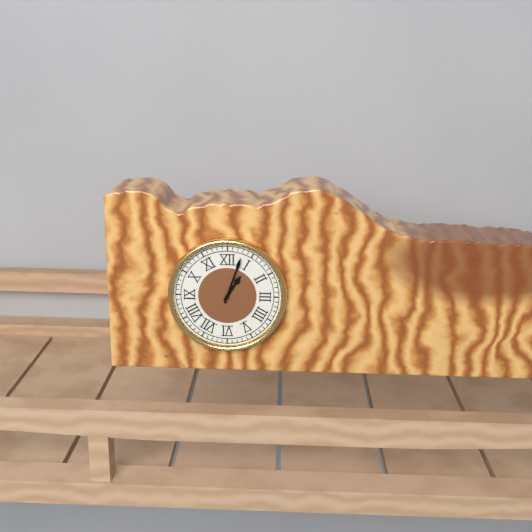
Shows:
1,03
